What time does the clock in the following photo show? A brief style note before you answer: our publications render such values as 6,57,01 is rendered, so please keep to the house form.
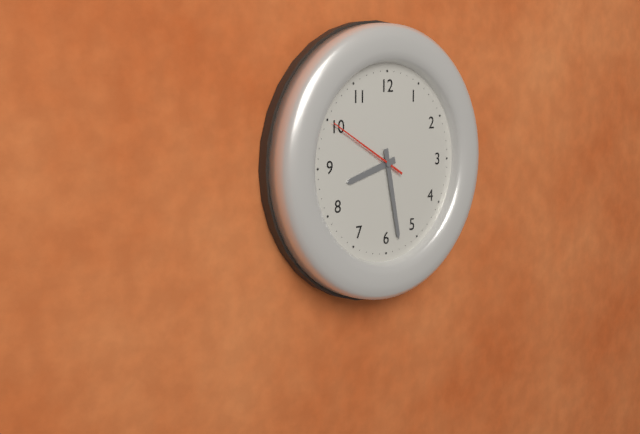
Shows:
8,28,50
